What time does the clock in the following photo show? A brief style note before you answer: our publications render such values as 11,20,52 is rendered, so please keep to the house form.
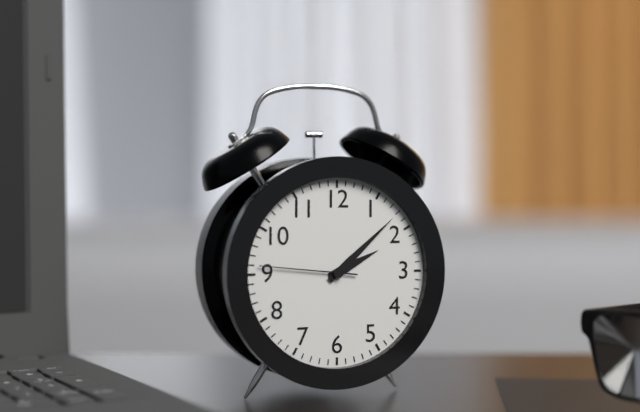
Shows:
2,08,46
